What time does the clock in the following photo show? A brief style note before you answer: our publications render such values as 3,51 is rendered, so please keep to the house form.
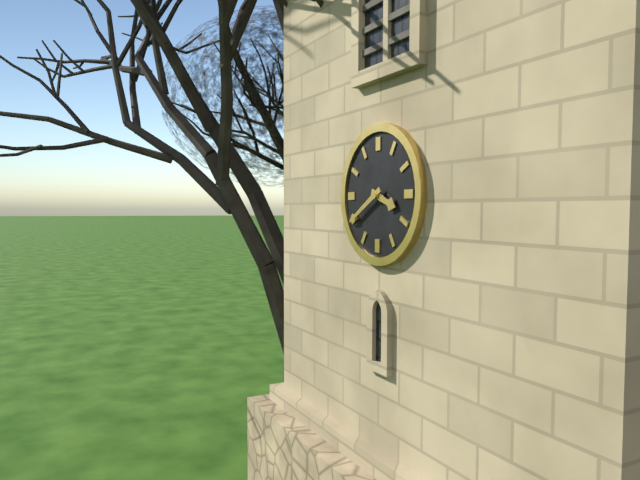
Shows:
3,40
